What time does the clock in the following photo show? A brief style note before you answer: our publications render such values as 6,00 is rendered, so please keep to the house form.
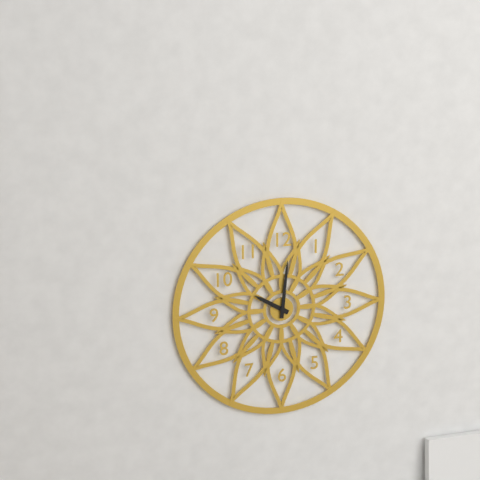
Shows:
10,01
